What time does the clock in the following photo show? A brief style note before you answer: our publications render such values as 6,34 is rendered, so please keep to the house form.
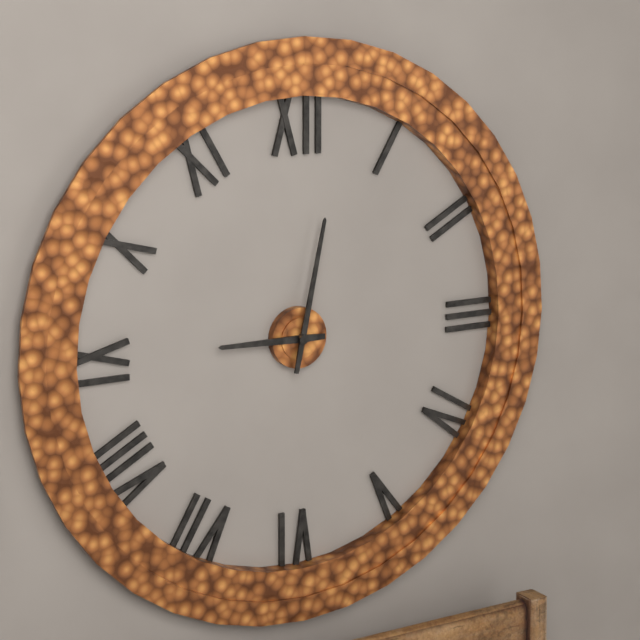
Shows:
9,02
